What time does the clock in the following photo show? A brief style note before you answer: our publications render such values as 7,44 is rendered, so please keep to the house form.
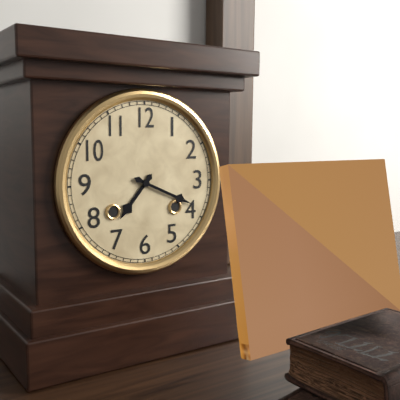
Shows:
7,19
